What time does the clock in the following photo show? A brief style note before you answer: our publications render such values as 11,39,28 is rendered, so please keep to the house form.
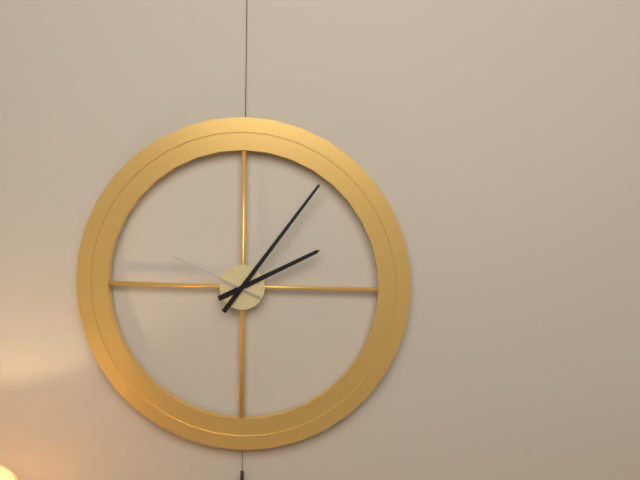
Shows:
2,06,49
